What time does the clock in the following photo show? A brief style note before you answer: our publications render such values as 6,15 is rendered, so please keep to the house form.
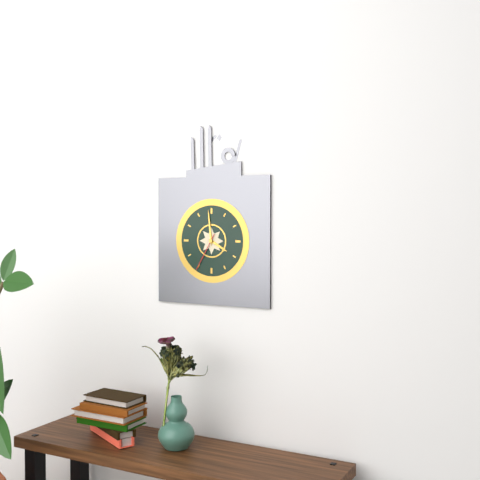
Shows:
3,59
